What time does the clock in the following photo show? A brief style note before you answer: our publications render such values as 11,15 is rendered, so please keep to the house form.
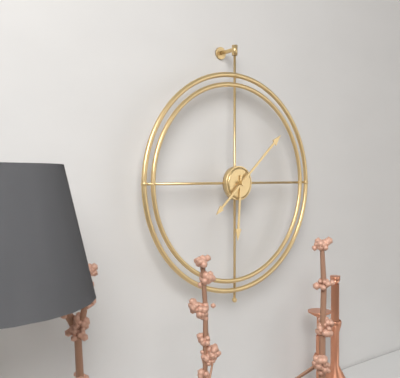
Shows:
6,08
